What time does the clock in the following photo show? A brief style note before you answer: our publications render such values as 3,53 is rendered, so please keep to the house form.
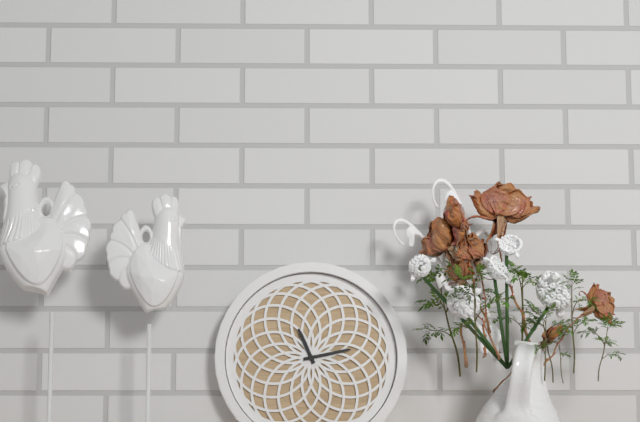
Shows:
11,13
